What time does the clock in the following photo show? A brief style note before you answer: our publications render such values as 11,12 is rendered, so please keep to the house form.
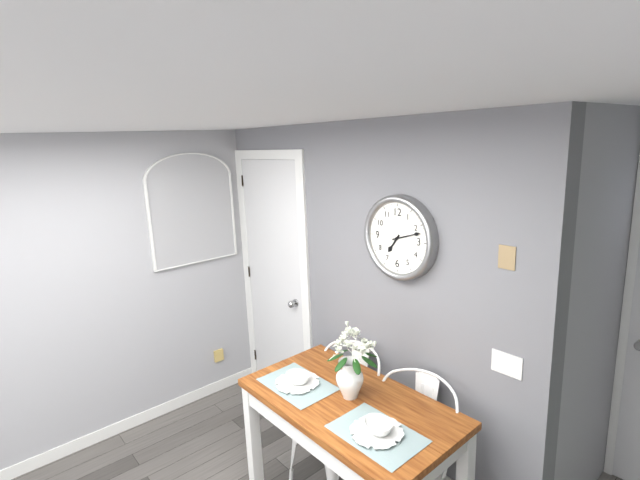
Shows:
7,12
